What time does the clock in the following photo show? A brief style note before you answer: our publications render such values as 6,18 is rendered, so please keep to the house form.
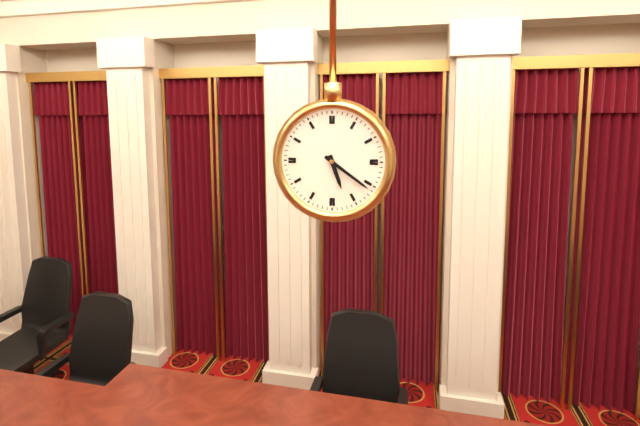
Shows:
5,21
